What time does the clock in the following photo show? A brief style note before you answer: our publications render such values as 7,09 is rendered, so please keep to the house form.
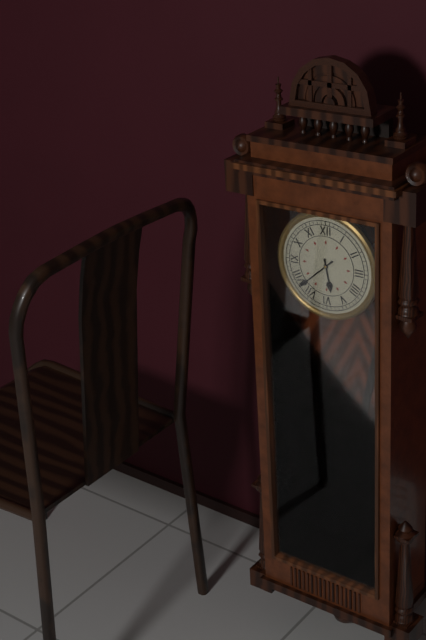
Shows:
5,38
